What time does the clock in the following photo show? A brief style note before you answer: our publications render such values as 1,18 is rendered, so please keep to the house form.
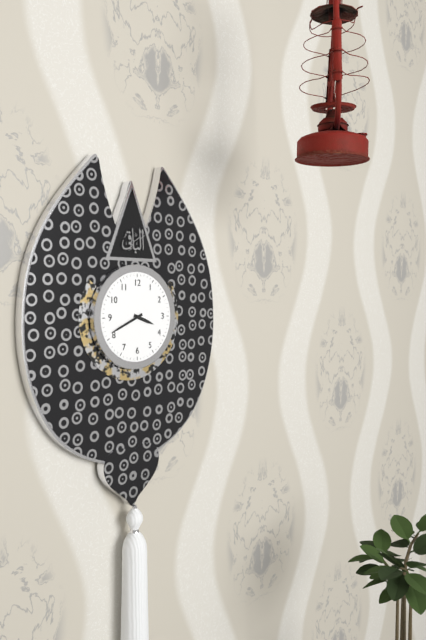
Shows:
3,41
